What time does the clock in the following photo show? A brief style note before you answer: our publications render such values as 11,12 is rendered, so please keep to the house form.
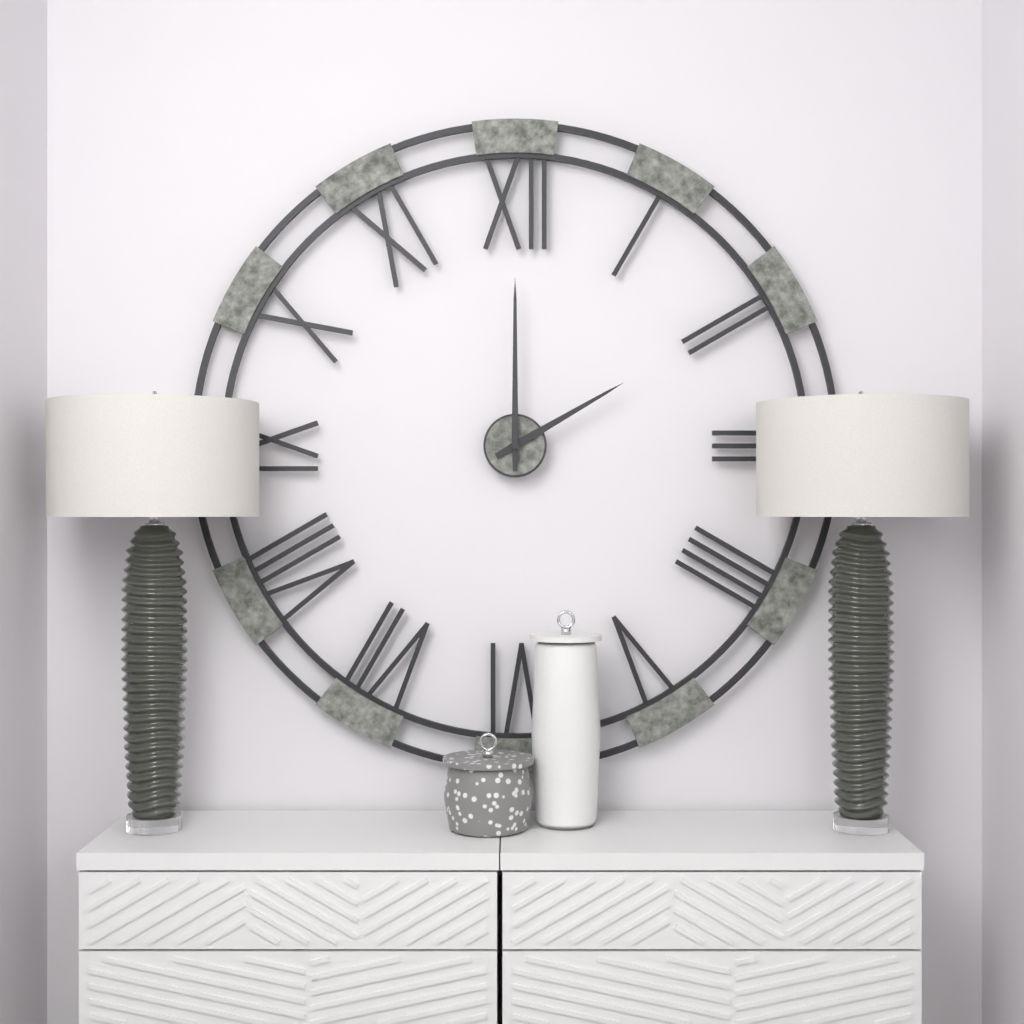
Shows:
2,00
